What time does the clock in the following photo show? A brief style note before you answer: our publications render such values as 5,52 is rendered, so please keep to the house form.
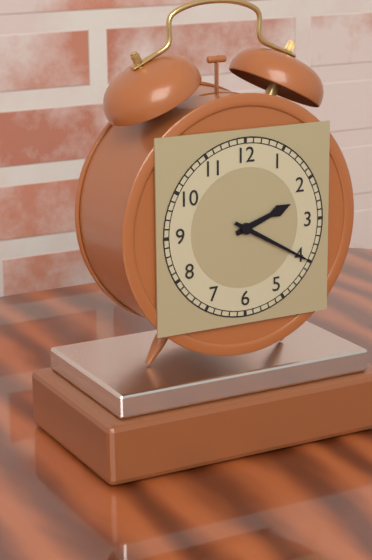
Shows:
2,20
